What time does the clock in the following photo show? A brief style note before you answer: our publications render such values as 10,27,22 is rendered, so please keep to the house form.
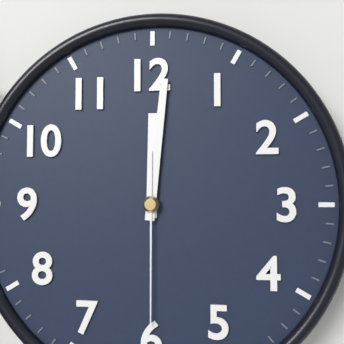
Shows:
12,01,30
